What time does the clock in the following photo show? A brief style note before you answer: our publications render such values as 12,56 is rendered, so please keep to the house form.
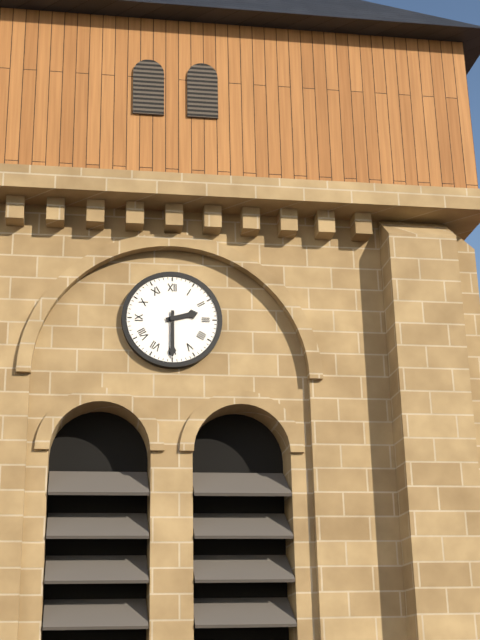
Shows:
2,30
